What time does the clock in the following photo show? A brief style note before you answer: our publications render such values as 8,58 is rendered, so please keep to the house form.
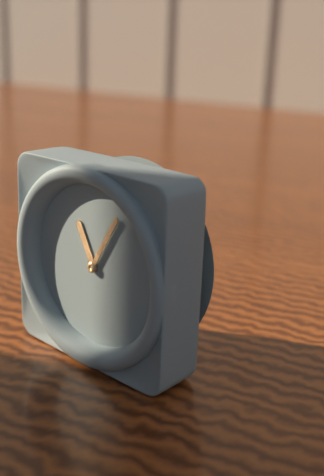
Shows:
11,05
